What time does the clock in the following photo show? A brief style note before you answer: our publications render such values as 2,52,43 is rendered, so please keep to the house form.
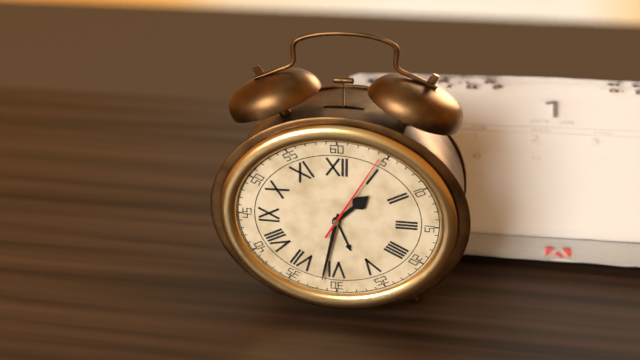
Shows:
1,32,05
